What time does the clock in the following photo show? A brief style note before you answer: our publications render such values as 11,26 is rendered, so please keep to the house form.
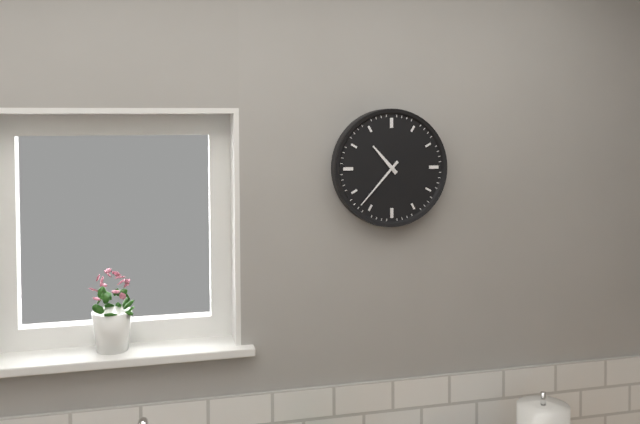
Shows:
10,37
